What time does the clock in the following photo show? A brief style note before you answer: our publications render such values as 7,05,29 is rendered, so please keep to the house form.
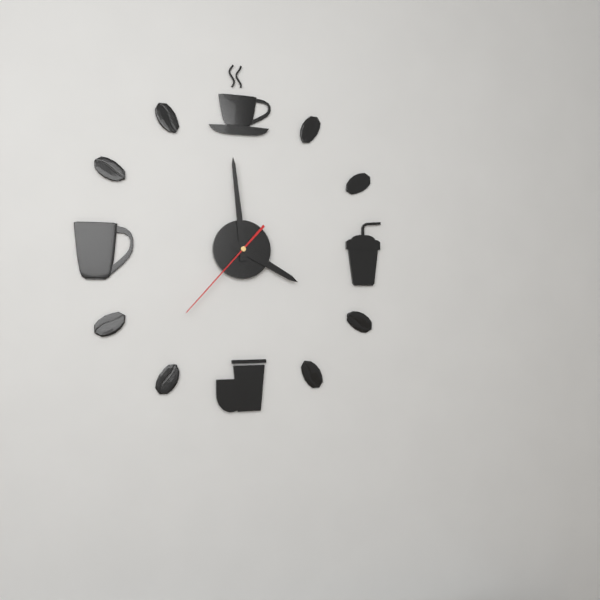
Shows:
3,59,37
